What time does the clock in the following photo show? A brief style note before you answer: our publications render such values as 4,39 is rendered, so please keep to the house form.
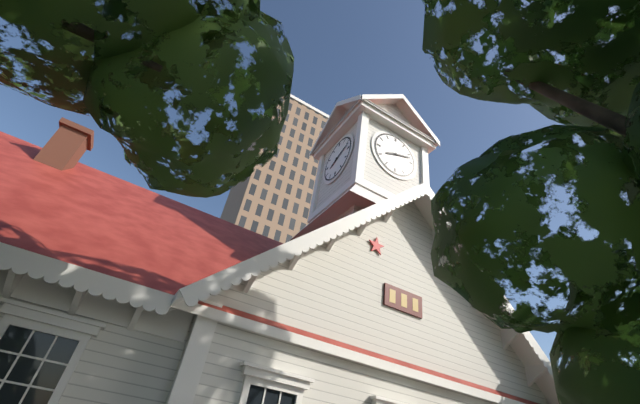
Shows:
8,12
